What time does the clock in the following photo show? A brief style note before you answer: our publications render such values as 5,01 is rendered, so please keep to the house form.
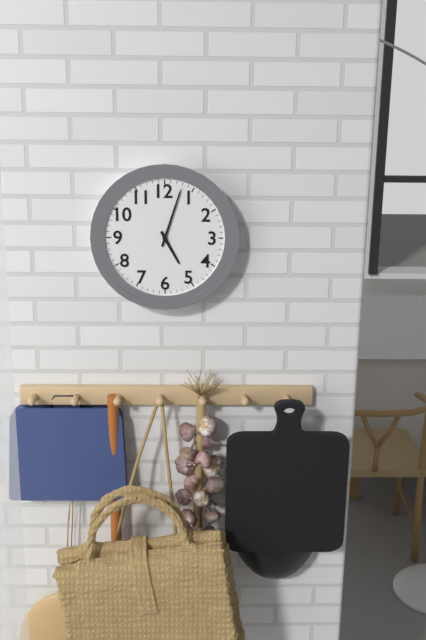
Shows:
5,03
